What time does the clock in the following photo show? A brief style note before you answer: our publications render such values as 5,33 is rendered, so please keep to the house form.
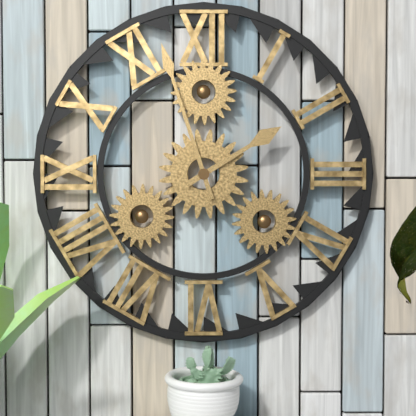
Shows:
1,57
